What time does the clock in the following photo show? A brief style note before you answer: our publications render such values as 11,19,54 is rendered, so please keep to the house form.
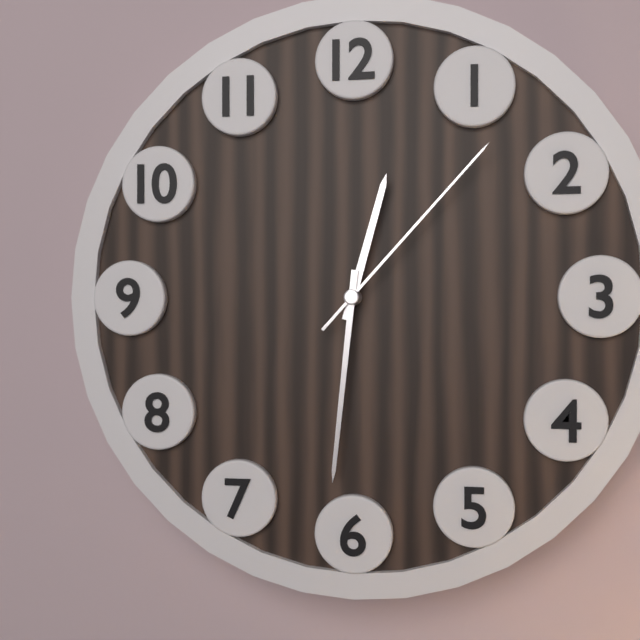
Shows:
12,31,07
